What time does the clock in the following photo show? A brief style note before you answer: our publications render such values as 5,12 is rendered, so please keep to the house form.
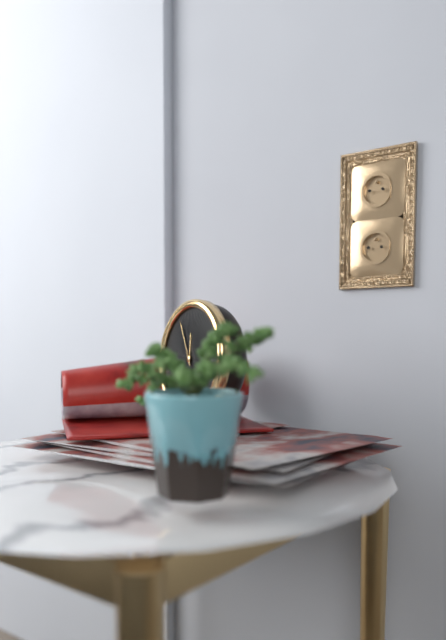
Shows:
11,55
